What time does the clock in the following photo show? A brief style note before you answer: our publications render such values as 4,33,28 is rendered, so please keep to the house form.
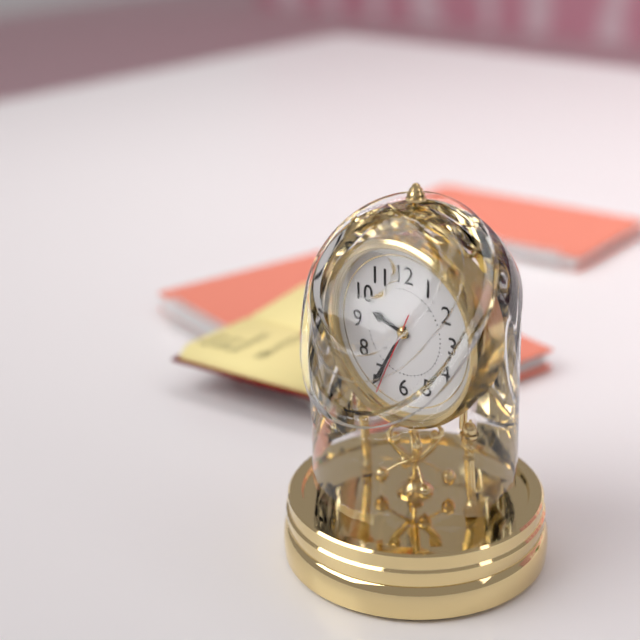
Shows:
9,35,34
